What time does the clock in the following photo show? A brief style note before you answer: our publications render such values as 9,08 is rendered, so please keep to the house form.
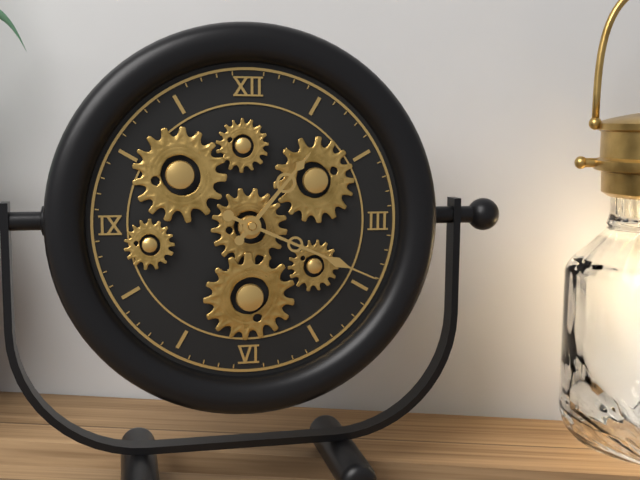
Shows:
1,19
